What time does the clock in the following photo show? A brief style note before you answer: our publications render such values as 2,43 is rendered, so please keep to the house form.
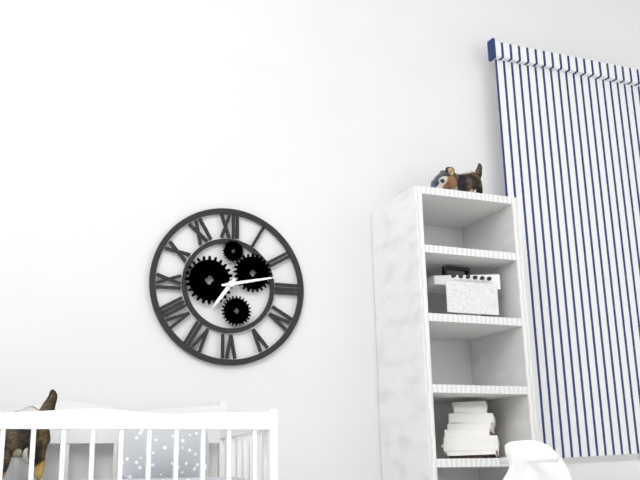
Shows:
7,13
